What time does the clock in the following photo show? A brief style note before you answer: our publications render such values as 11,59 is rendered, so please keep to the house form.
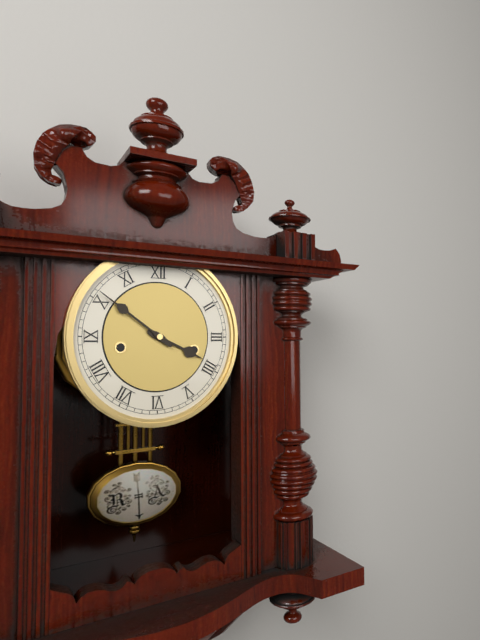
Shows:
3,51
